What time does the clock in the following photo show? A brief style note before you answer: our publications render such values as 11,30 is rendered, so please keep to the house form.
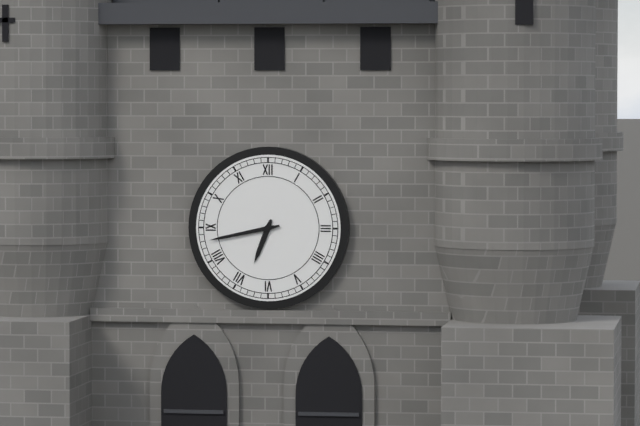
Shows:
6,43
